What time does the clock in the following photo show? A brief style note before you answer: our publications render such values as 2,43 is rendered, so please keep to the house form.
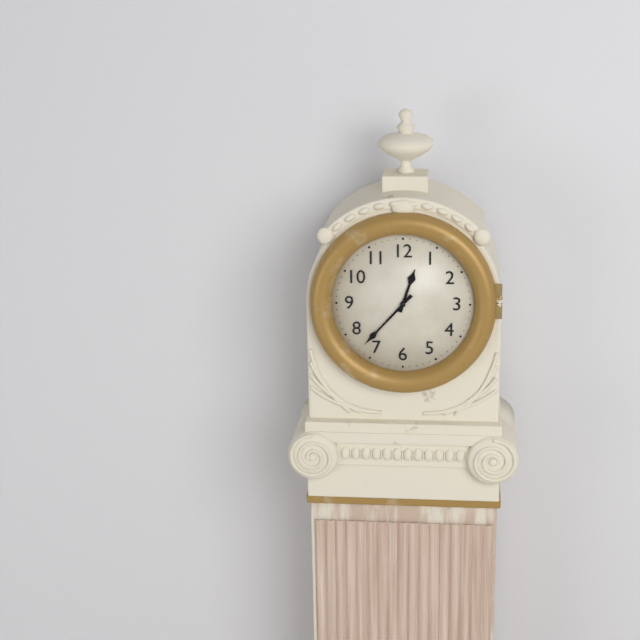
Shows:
12,37
